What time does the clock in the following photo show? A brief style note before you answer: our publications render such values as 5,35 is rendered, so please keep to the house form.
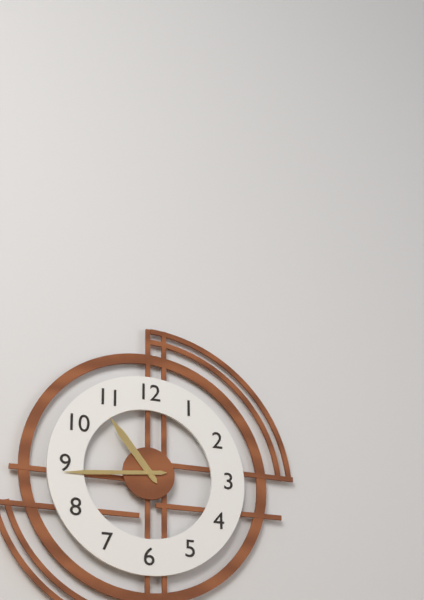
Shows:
10,44
